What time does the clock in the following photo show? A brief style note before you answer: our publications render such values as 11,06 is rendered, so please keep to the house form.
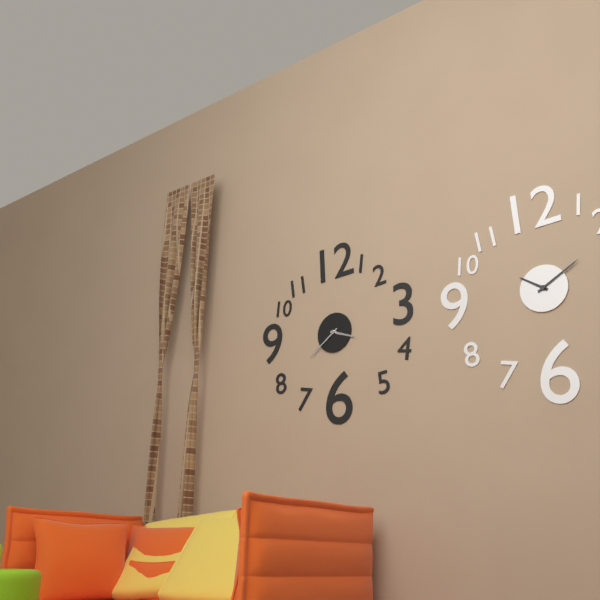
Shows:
3,39
